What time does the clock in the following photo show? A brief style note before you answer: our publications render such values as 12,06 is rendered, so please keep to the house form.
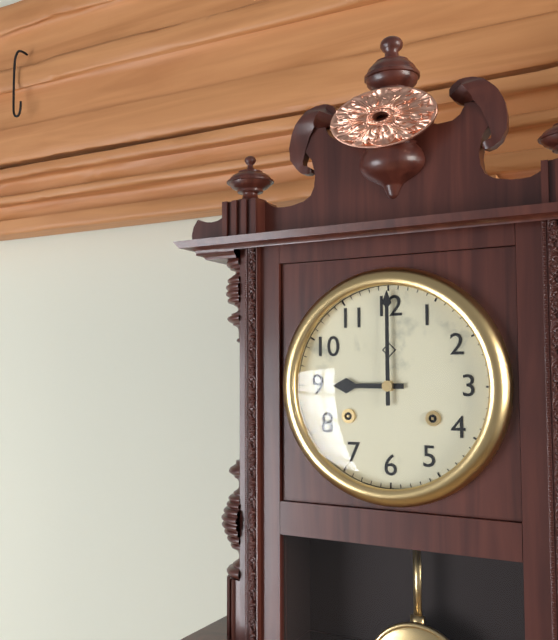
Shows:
9,00
